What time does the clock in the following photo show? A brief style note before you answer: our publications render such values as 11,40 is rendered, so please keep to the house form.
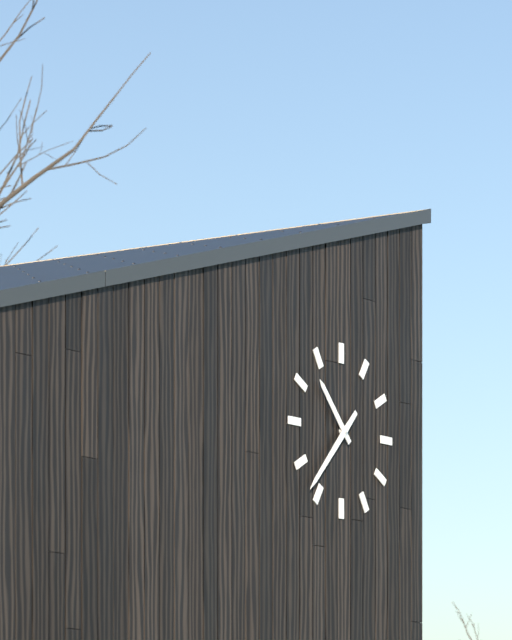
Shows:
10,37
